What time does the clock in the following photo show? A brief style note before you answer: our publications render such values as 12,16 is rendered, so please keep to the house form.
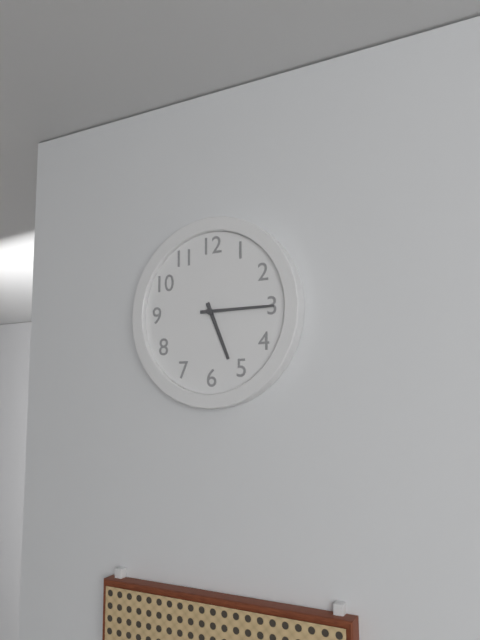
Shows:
5,15
